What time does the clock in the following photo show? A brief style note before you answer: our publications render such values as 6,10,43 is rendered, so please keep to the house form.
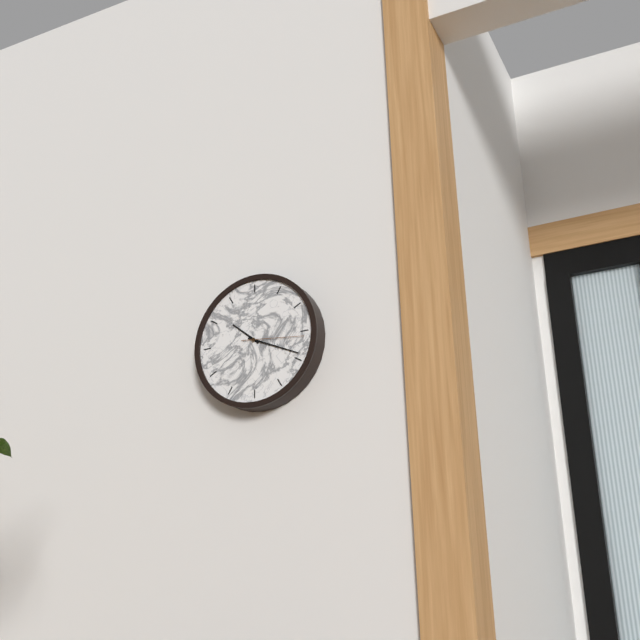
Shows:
10,19,16
